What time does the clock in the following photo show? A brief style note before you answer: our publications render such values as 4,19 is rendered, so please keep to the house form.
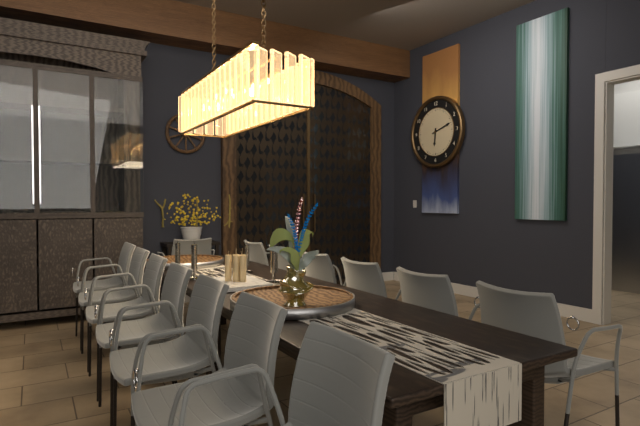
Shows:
6,12
